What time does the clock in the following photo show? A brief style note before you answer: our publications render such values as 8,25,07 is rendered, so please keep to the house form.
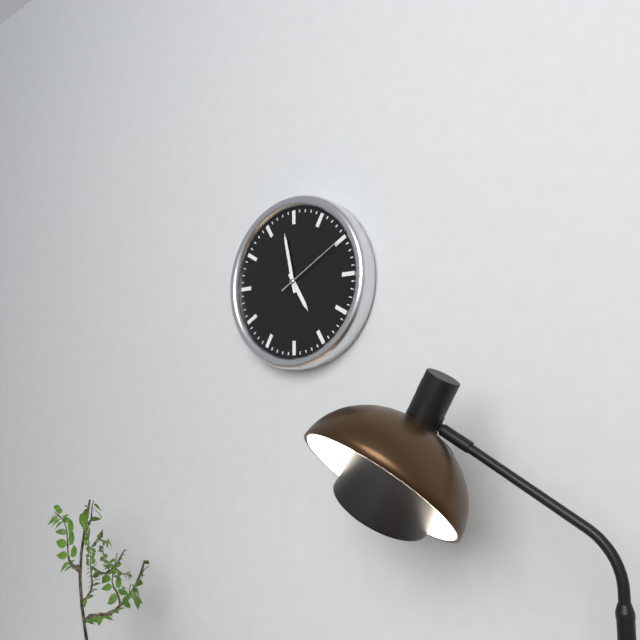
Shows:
4,58,10
